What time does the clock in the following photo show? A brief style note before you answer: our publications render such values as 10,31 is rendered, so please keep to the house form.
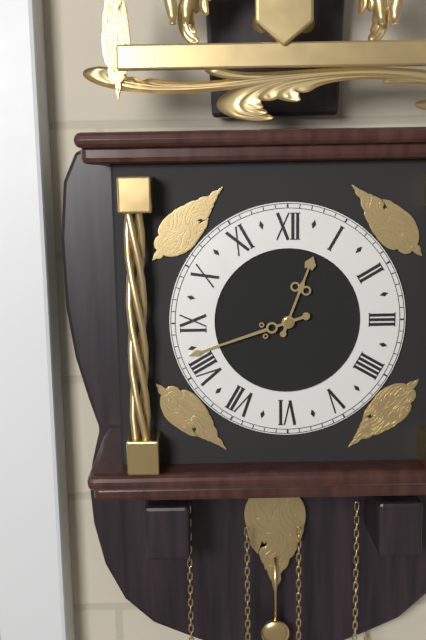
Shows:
12,42
